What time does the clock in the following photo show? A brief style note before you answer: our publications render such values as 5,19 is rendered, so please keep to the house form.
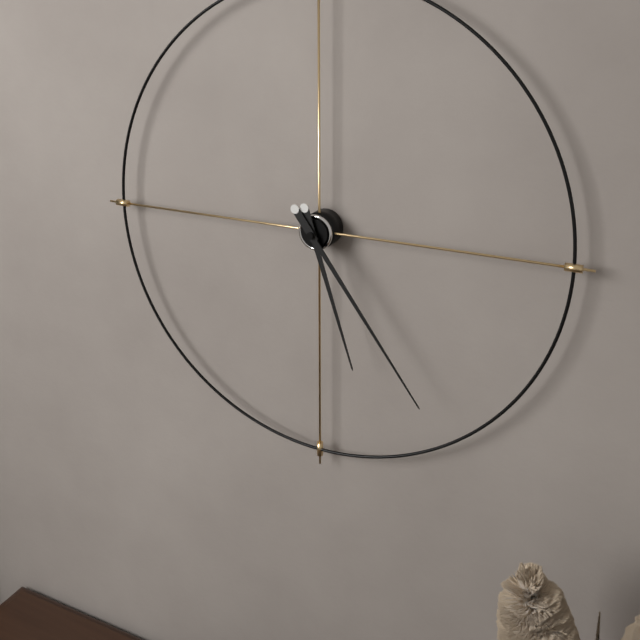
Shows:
5,24
